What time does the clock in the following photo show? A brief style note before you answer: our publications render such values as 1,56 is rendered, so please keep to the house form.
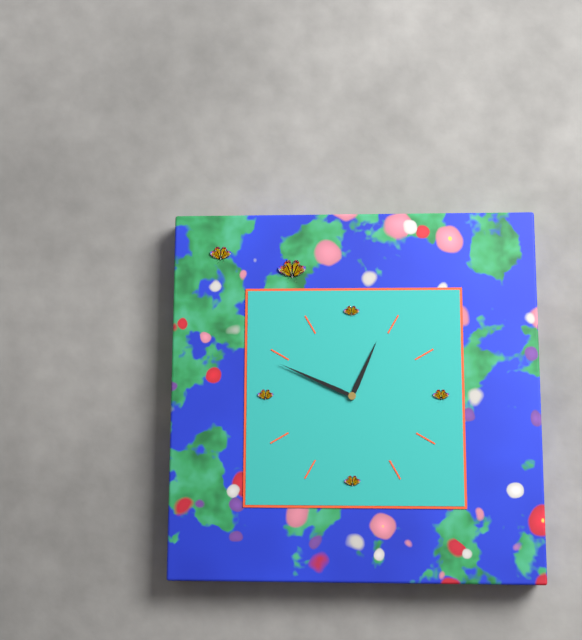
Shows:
12,49
